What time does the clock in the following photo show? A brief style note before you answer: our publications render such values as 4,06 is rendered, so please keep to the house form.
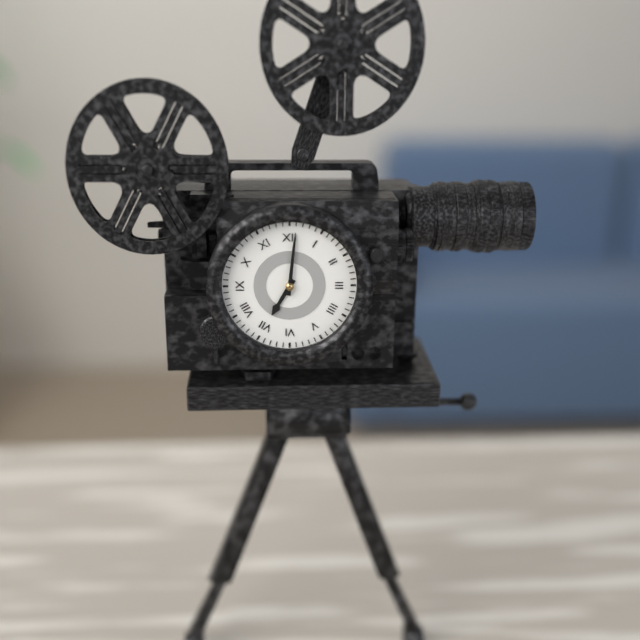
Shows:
7,01
